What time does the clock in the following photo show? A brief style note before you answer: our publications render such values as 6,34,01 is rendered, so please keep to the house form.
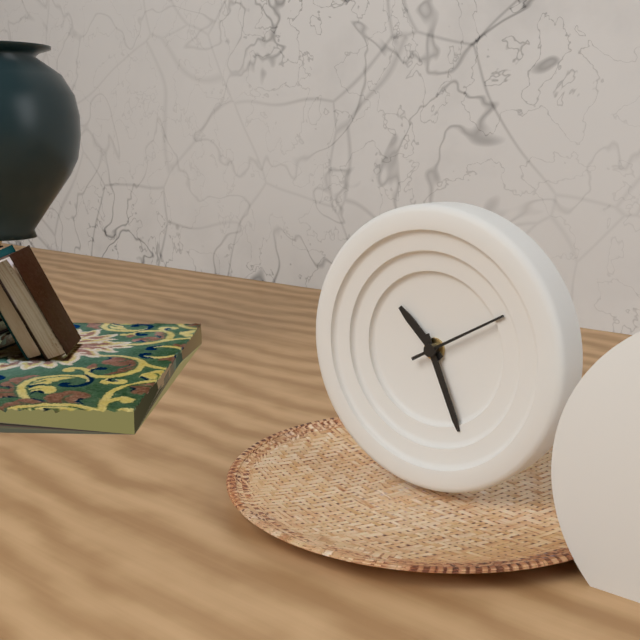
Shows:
10,26,10
